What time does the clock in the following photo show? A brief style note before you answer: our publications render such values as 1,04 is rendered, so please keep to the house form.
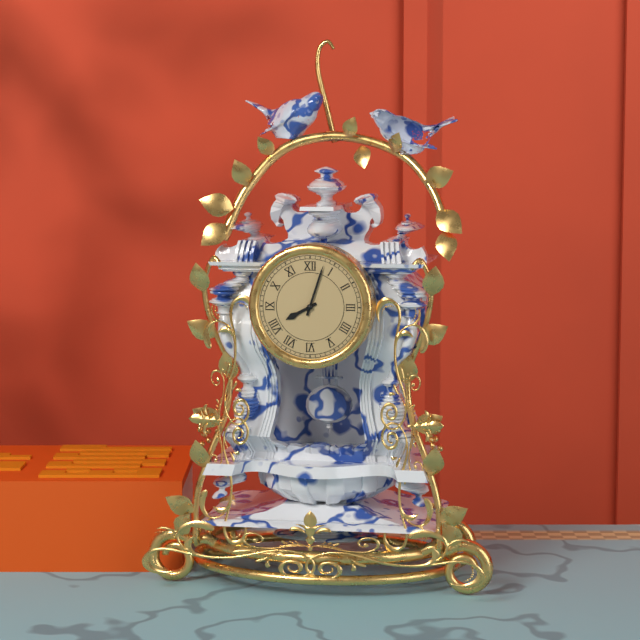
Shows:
8,03
